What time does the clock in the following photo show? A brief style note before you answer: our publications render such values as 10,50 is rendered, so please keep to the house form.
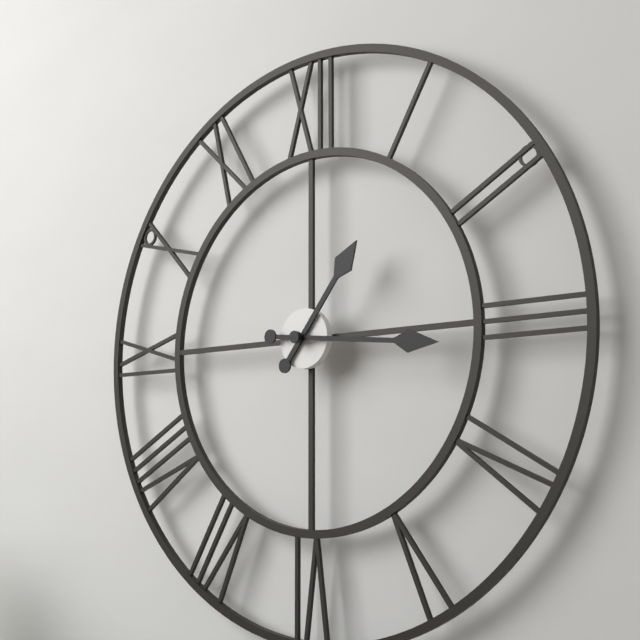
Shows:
1,16
